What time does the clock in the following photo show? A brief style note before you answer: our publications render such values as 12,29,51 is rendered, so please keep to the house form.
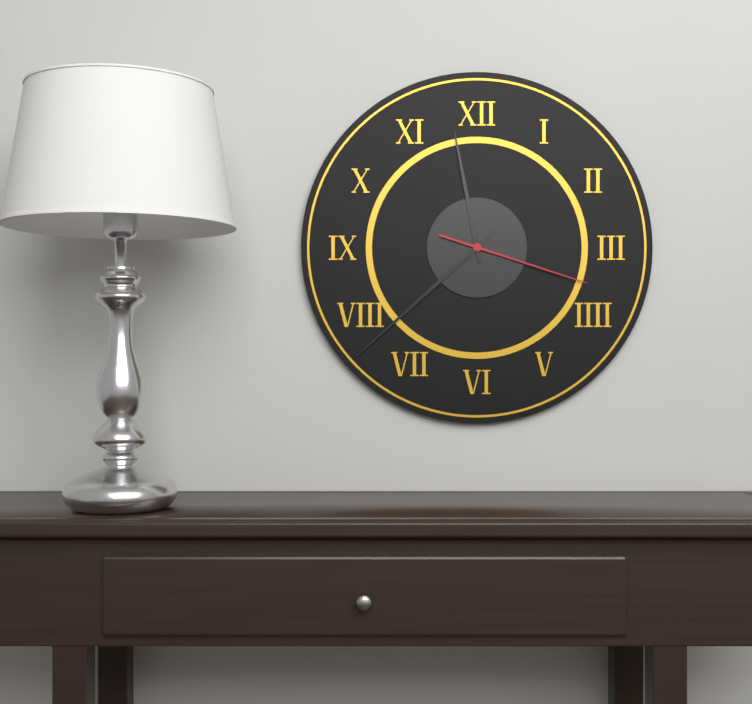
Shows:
11,38,18
